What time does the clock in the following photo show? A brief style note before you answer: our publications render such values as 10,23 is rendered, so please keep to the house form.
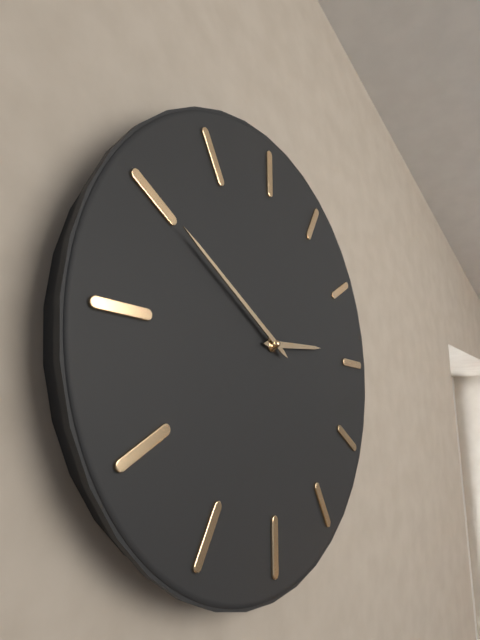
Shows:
2,50
